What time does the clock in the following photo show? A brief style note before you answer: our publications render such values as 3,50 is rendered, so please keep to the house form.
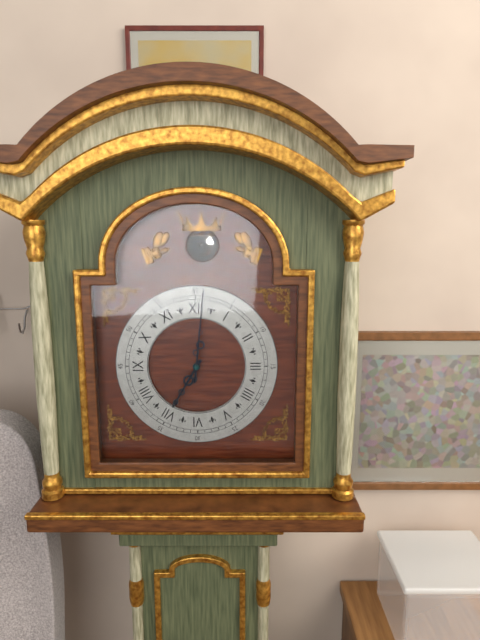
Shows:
7,01
